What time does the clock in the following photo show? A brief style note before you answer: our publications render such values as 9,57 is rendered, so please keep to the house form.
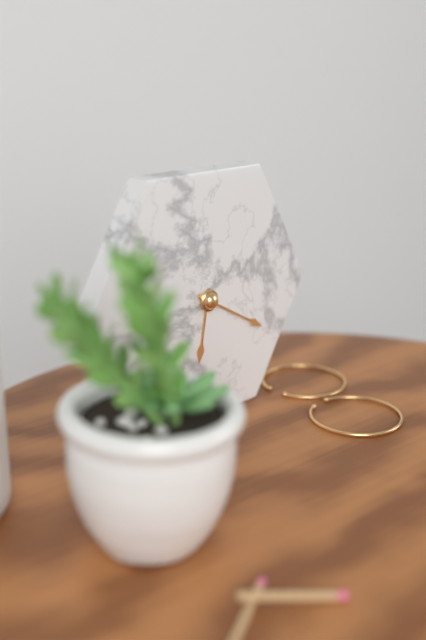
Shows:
6,20
